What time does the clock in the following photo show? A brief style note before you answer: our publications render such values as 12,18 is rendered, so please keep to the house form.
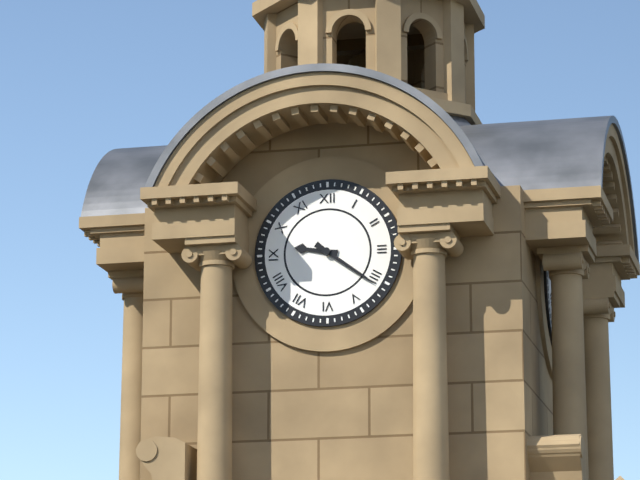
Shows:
9,21
